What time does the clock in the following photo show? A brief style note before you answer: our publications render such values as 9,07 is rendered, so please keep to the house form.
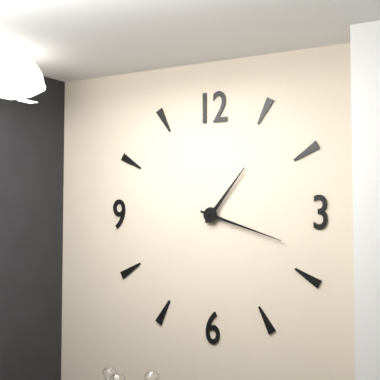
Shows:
1,18
